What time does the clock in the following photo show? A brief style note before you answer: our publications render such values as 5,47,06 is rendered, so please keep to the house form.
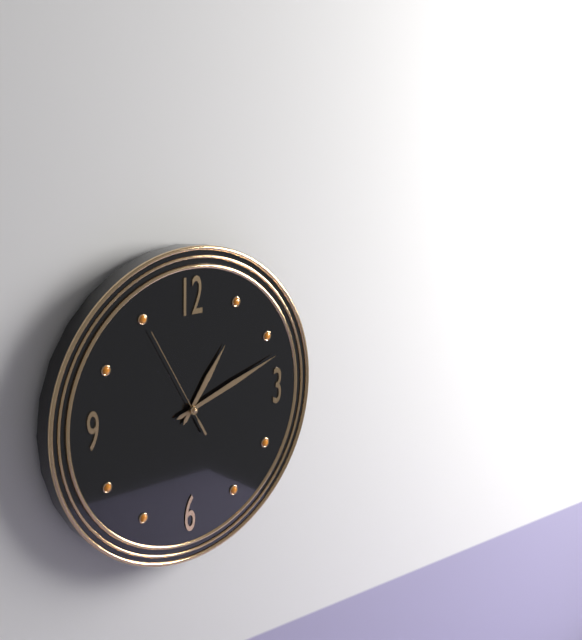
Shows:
1,12,55
